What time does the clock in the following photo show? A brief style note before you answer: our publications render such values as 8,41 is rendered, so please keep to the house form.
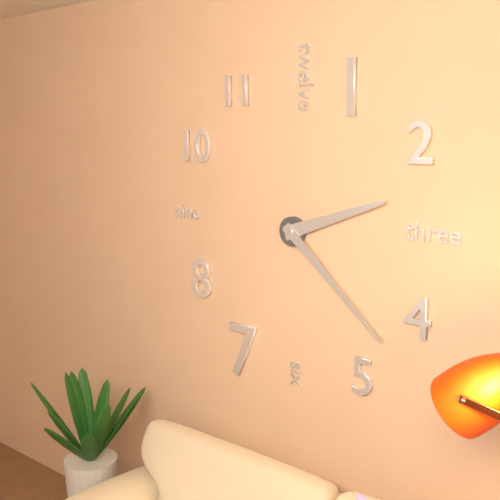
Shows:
2,22
